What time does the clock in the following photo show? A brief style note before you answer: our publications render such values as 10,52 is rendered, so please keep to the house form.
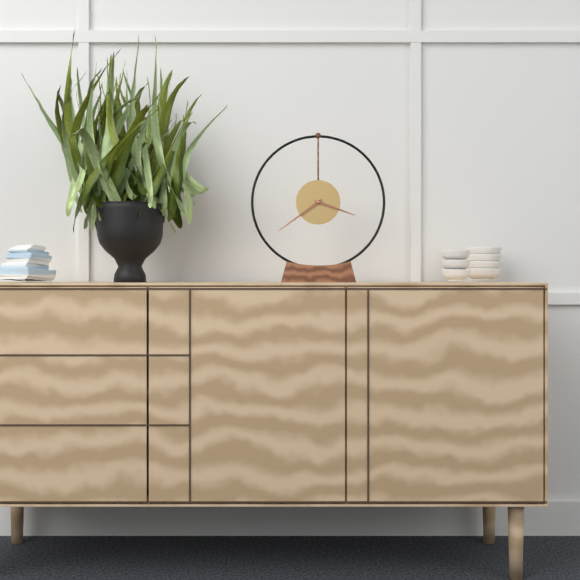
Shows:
3,39
